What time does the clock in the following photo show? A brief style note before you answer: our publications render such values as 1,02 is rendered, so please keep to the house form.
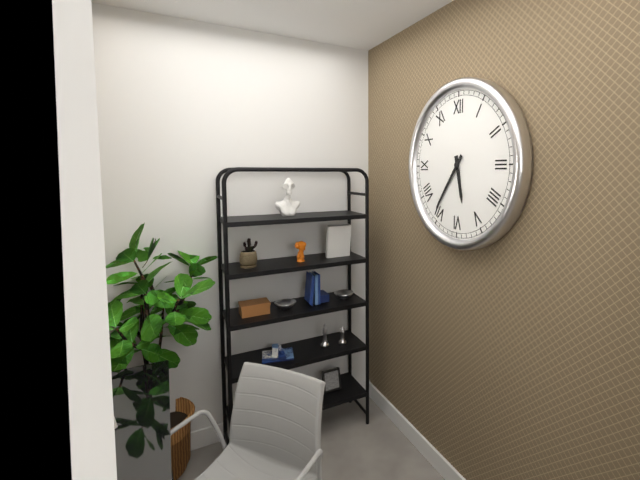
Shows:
5,36
